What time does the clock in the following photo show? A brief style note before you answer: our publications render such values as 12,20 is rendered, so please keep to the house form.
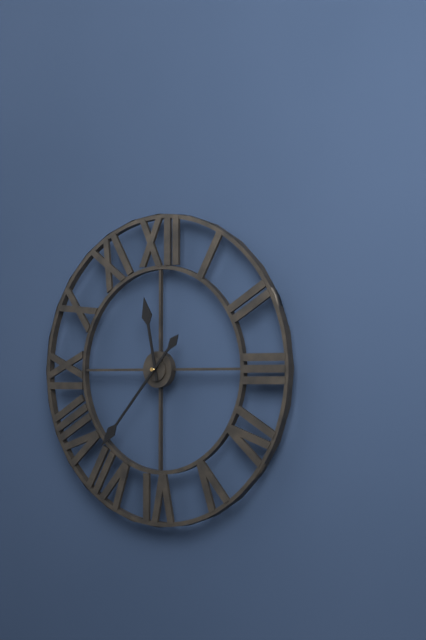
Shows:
11,37
